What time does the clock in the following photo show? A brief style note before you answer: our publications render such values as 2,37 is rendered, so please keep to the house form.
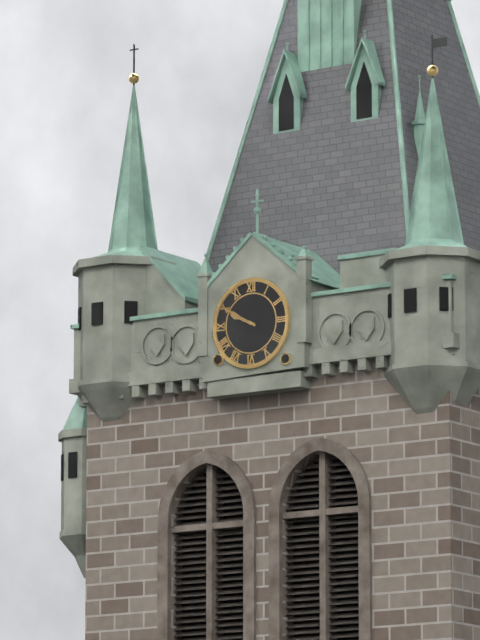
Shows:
9,50
